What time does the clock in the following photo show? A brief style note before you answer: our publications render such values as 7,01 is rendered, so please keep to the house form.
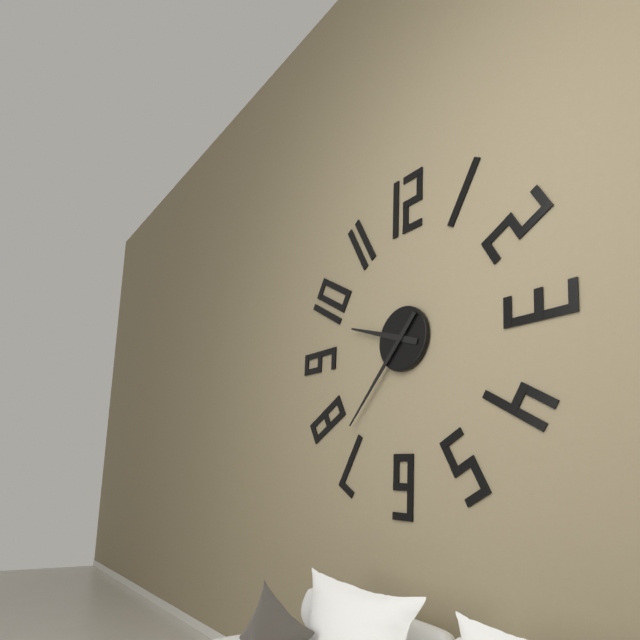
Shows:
9,37
